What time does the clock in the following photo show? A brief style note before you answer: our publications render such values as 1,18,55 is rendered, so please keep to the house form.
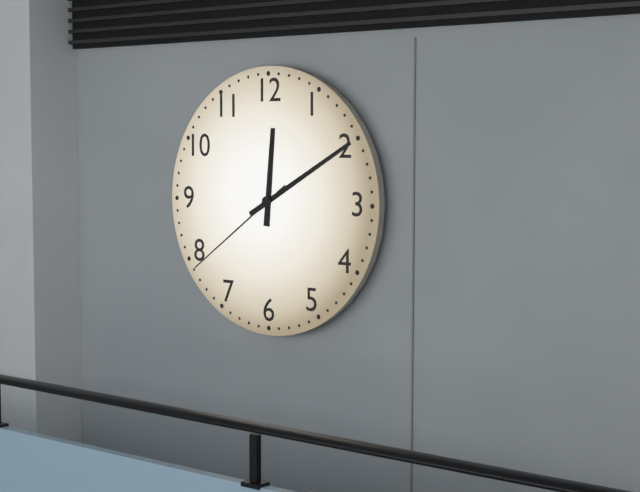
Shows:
12,10,39
